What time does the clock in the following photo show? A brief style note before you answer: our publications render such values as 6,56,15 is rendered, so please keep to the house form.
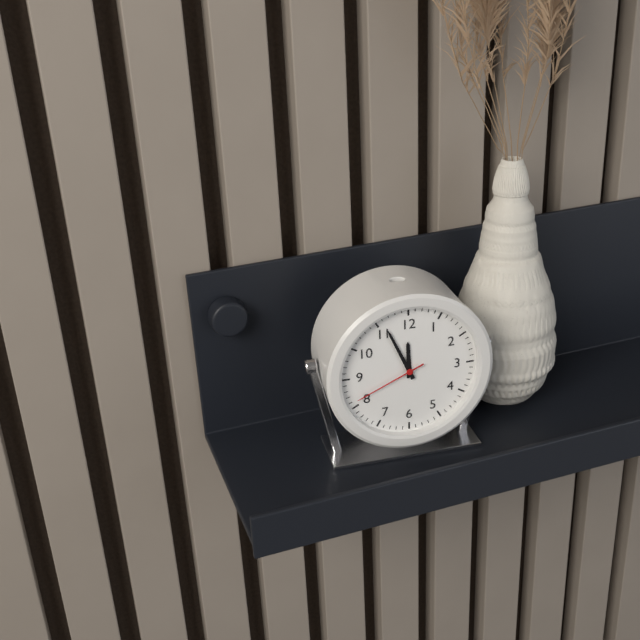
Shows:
11,56,41
